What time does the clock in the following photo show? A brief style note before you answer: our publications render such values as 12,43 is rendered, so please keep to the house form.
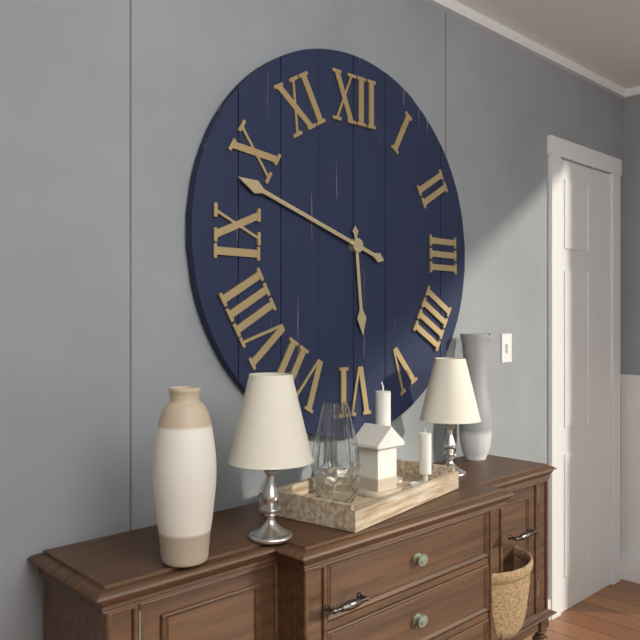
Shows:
5,48
